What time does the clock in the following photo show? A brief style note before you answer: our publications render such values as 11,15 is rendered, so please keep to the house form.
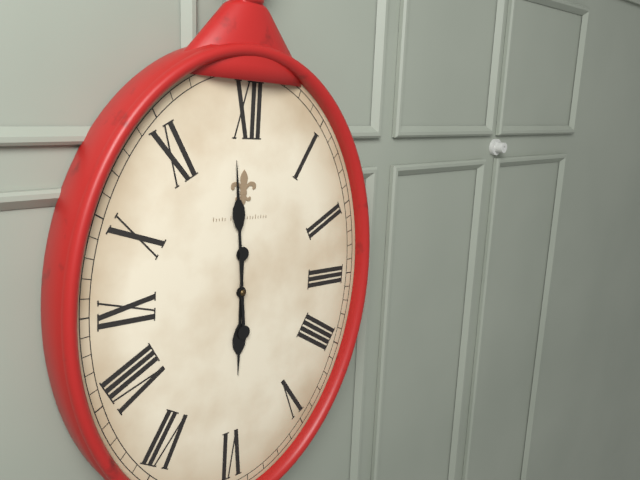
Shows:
5,59
